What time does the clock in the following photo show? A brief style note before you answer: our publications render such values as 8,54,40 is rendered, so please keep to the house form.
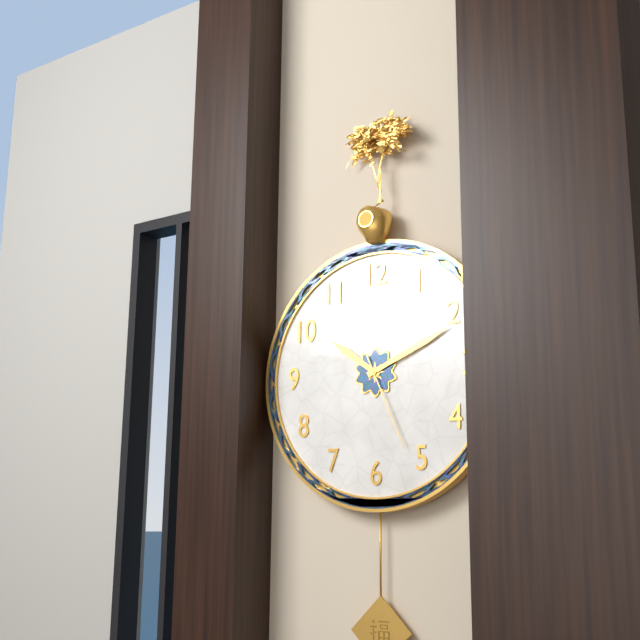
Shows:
10,11,26
